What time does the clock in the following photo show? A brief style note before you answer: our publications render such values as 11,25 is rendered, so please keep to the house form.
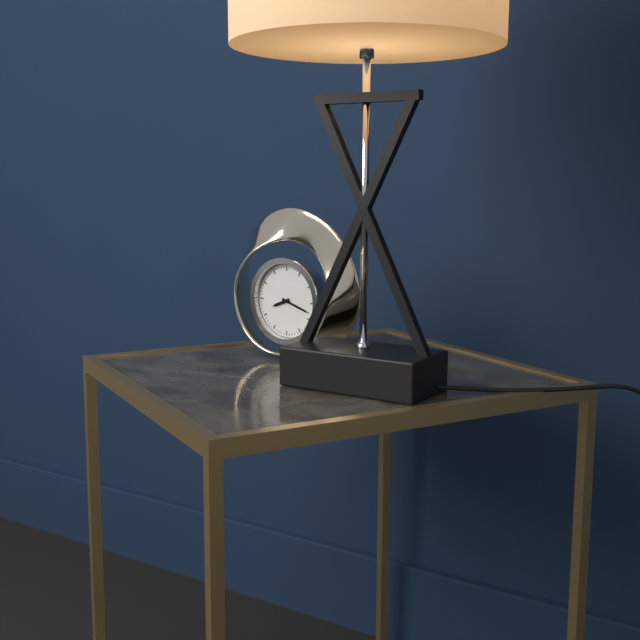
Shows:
8,18
